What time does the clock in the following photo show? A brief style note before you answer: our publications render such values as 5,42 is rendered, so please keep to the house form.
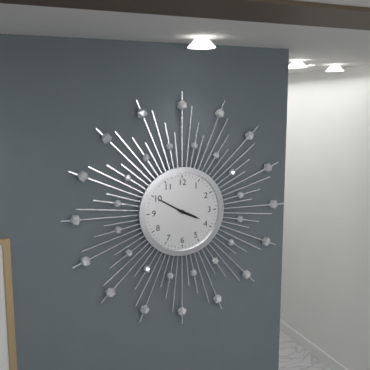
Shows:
3,50
